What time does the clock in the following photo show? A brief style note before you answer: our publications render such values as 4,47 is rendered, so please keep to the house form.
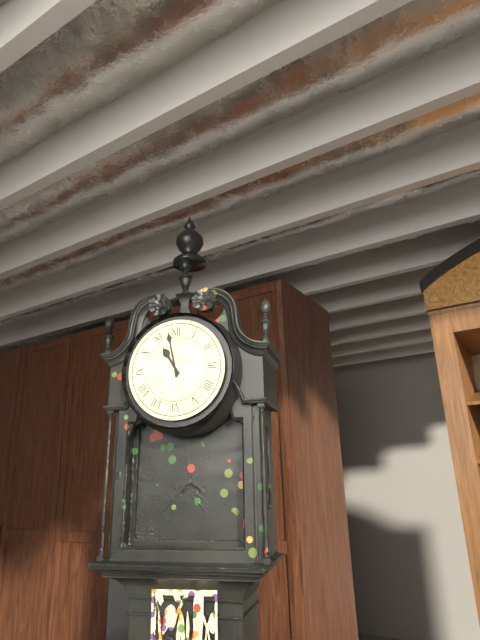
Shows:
10,58
